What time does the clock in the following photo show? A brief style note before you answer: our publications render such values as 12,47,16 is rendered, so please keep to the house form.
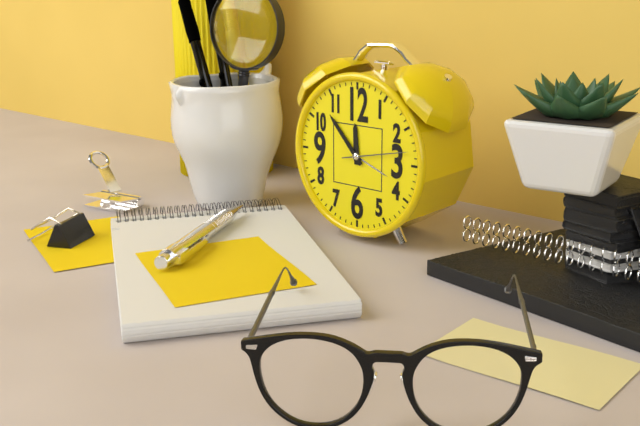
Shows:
11,53,13
